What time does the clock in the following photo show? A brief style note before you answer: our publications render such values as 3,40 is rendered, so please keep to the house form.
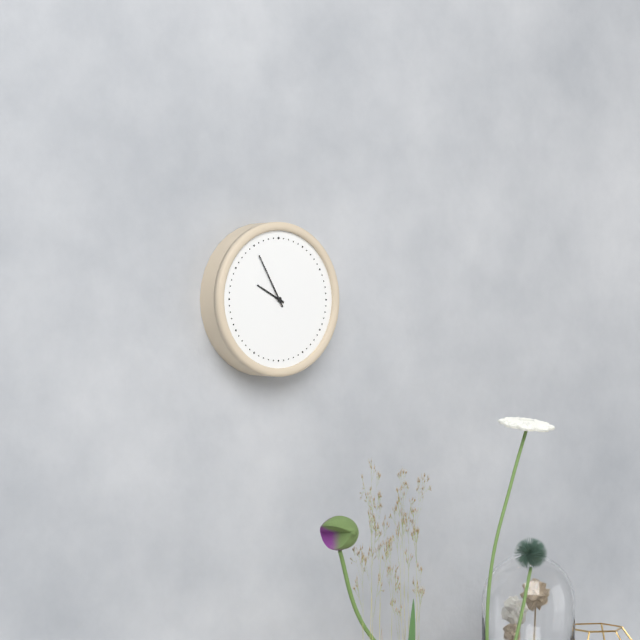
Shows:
9,55
